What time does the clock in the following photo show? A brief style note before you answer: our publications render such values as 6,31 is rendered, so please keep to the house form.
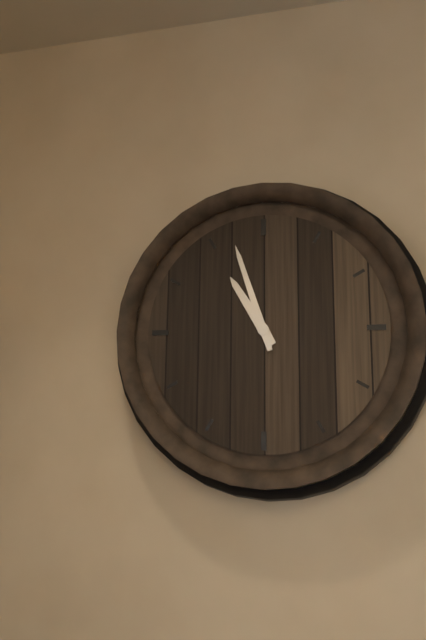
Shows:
10,57
